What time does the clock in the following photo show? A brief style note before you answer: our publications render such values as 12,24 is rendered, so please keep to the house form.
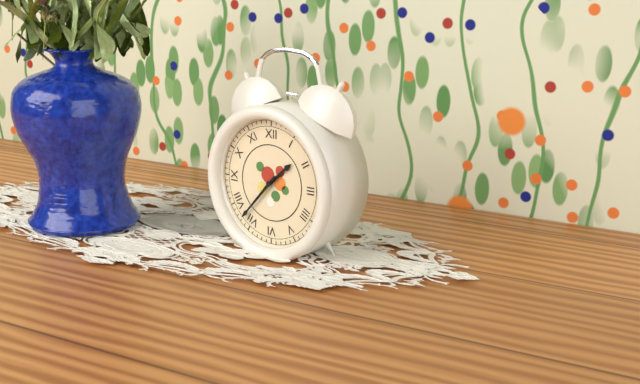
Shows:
1,37
